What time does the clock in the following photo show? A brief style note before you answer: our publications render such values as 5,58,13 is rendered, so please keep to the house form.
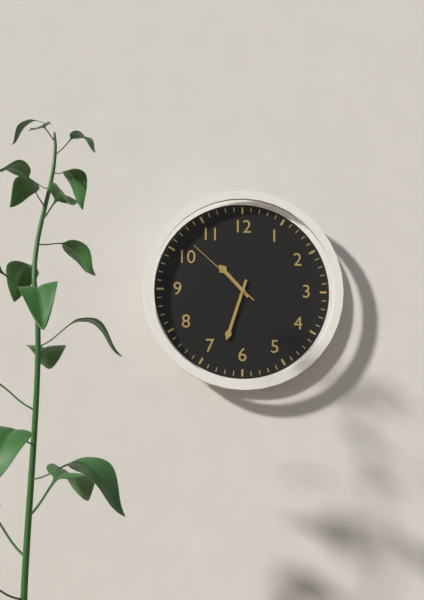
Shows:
10,33,52
